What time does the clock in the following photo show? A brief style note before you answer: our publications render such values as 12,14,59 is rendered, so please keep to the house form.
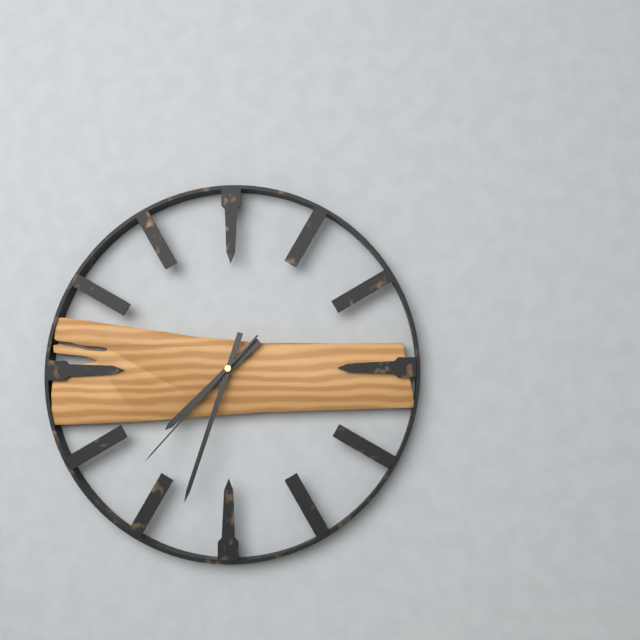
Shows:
7,33,37
